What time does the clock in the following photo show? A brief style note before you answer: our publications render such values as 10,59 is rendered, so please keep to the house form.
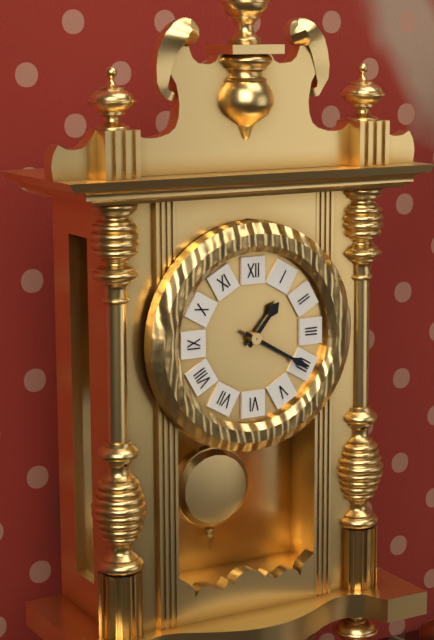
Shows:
1,20
